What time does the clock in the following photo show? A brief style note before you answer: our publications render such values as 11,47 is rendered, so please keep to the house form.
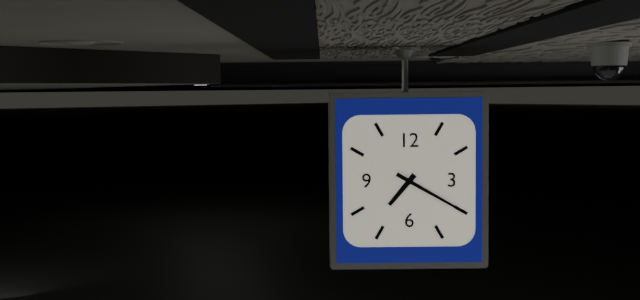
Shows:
7,20
